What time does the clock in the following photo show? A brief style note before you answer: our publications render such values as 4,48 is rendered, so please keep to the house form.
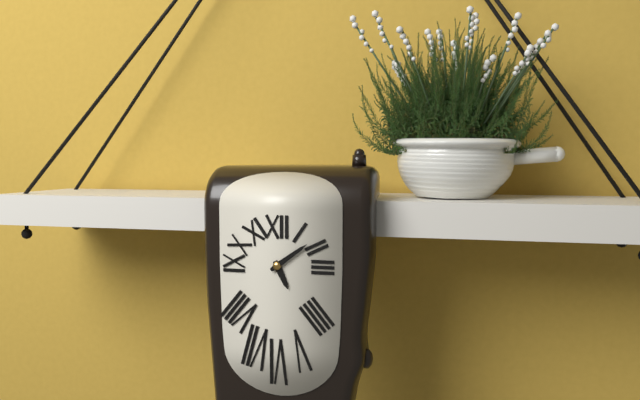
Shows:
5,09
